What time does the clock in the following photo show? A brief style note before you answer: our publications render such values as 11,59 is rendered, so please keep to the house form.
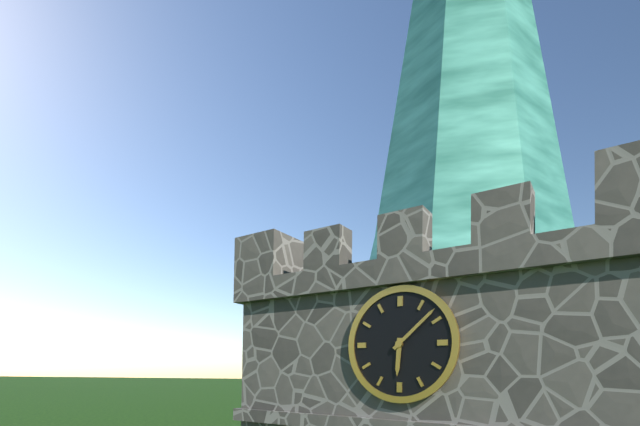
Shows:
6,08
